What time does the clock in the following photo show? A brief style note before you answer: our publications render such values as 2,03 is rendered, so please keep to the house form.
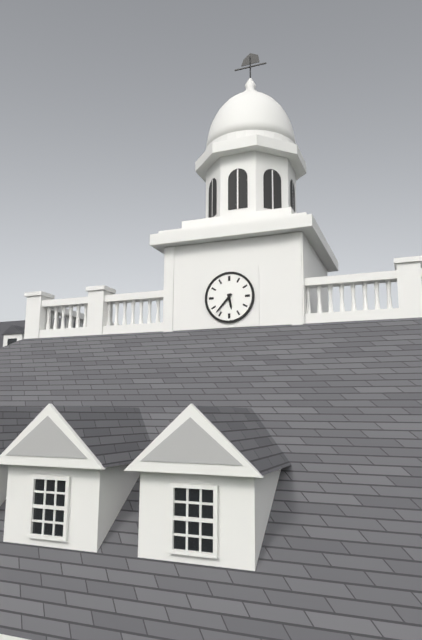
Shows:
5,37
